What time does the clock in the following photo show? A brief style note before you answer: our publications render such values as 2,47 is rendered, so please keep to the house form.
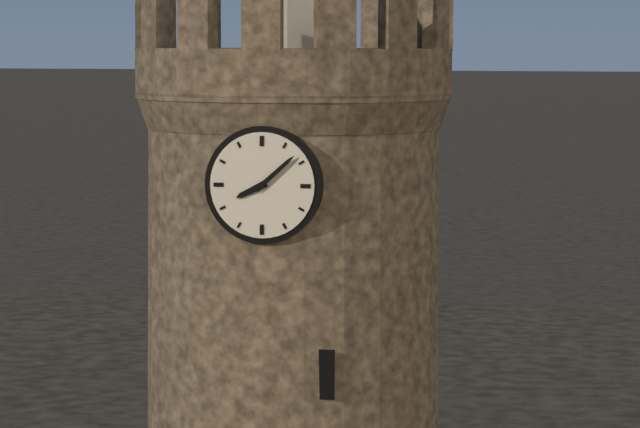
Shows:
8,08
